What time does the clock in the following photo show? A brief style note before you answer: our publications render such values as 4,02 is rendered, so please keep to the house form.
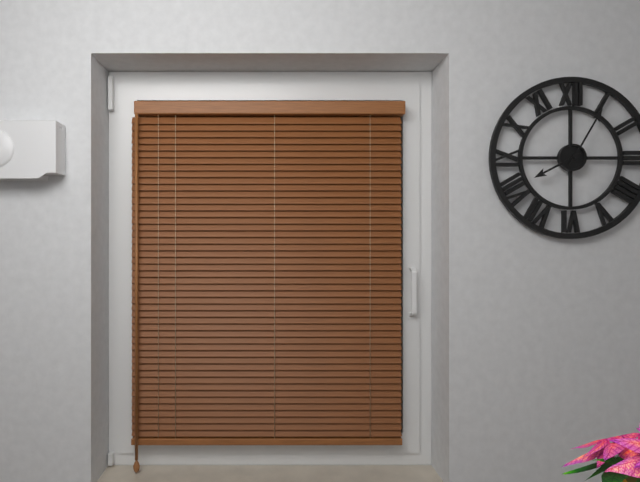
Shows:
8,05
